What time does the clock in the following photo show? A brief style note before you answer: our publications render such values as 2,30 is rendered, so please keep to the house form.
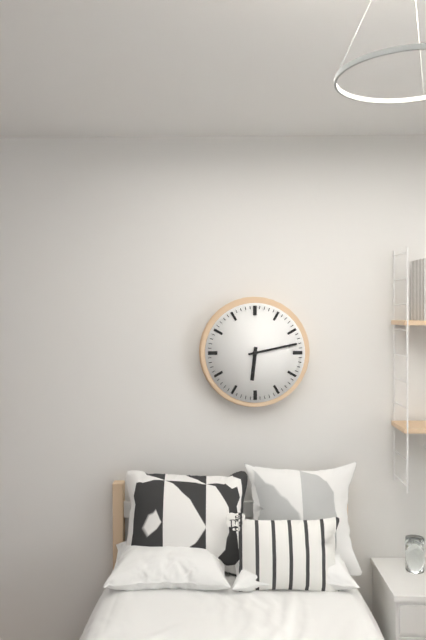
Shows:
6,13
